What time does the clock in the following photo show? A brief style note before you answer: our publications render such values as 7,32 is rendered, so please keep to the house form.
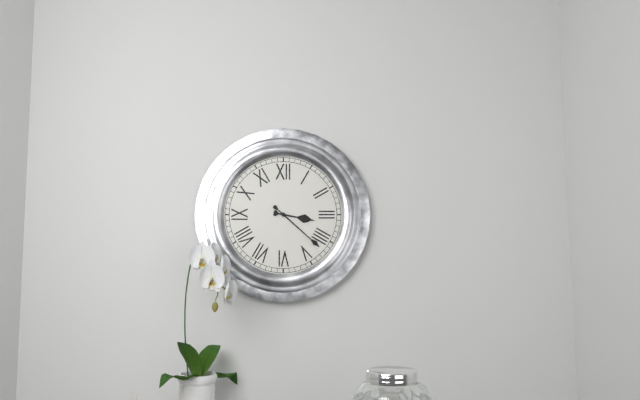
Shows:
3,22
